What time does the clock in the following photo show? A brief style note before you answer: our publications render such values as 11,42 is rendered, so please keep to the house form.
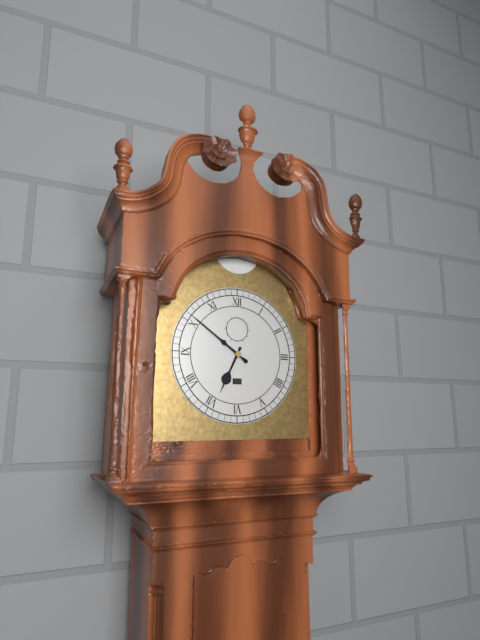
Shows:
6,51
